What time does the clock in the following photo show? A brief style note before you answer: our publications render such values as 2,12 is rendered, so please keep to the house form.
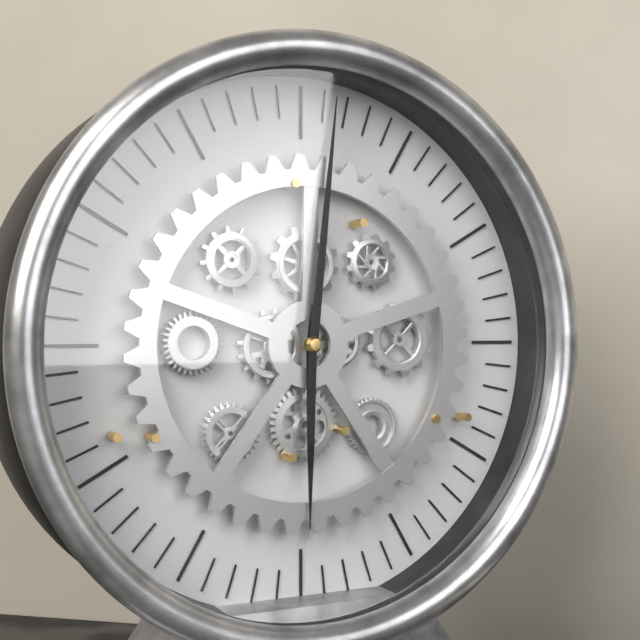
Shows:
6,01
